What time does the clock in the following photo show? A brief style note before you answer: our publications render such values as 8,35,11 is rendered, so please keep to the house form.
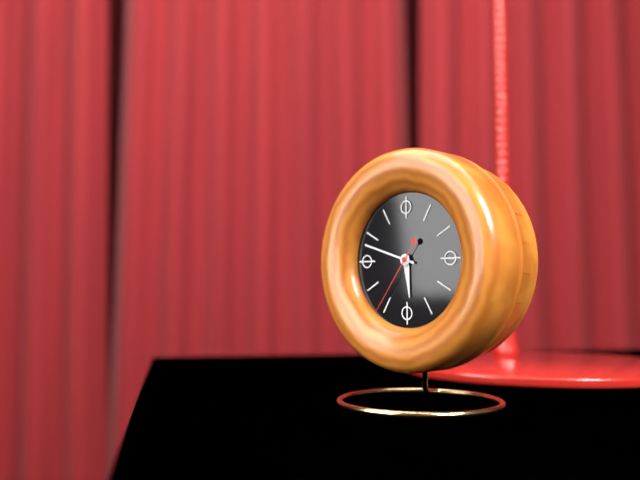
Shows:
5,48,36
